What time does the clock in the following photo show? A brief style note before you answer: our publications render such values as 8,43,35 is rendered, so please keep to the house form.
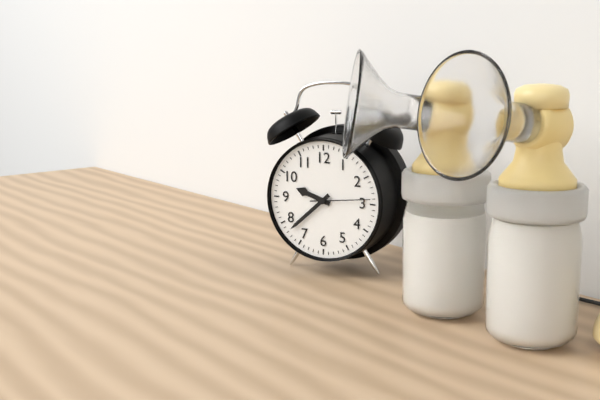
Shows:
9,38,14
